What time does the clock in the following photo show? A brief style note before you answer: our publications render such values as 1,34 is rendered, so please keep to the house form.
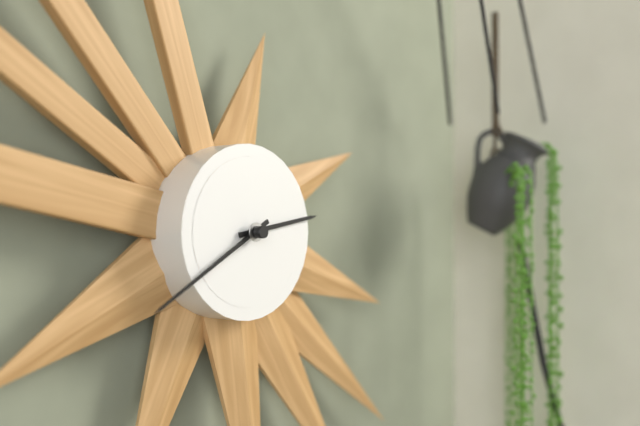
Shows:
2,40
